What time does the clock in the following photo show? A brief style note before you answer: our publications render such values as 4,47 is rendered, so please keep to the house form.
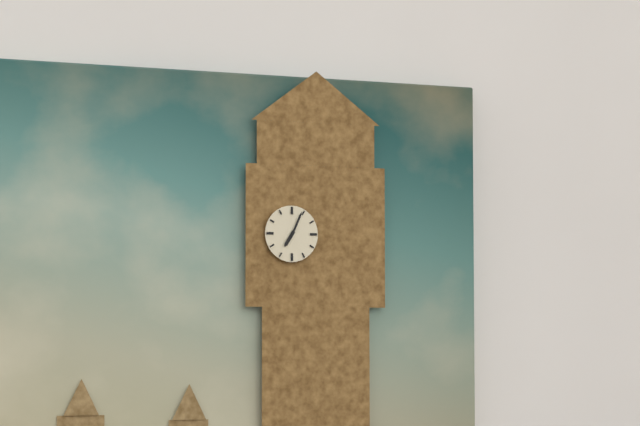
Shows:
7,04
